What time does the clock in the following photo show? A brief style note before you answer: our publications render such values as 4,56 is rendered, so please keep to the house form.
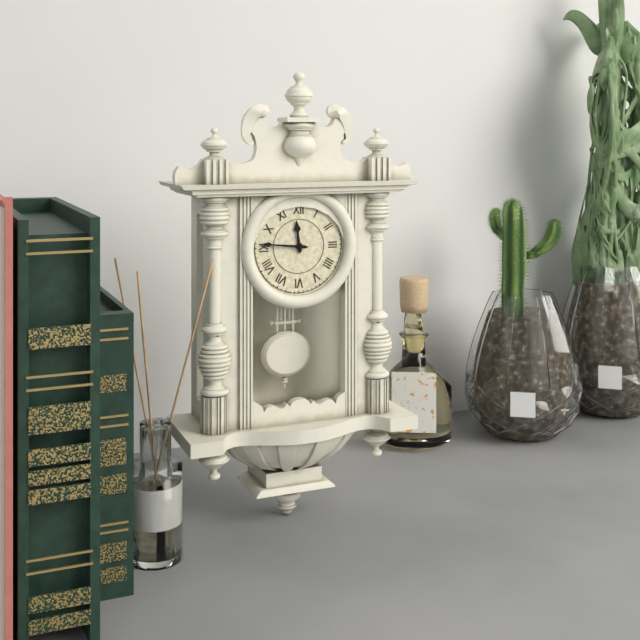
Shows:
11,46
